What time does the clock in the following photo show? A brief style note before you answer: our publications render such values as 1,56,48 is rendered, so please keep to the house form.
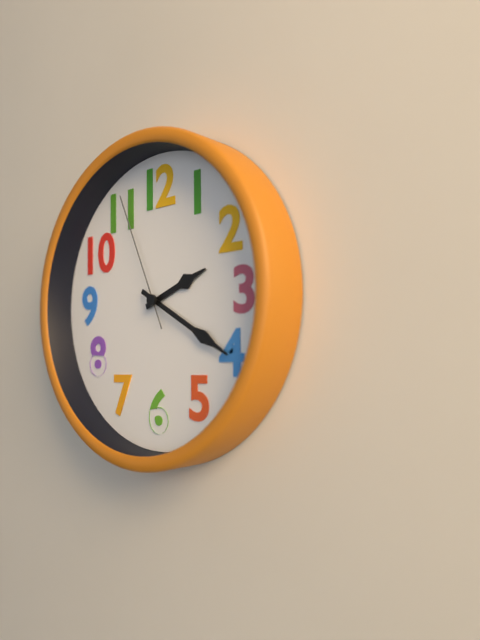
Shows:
2,20,56
